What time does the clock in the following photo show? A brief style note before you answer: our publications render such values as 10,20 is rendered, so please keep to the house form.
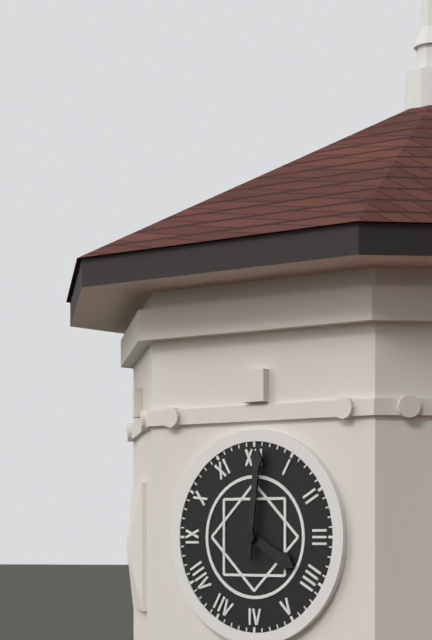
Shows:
4,01
